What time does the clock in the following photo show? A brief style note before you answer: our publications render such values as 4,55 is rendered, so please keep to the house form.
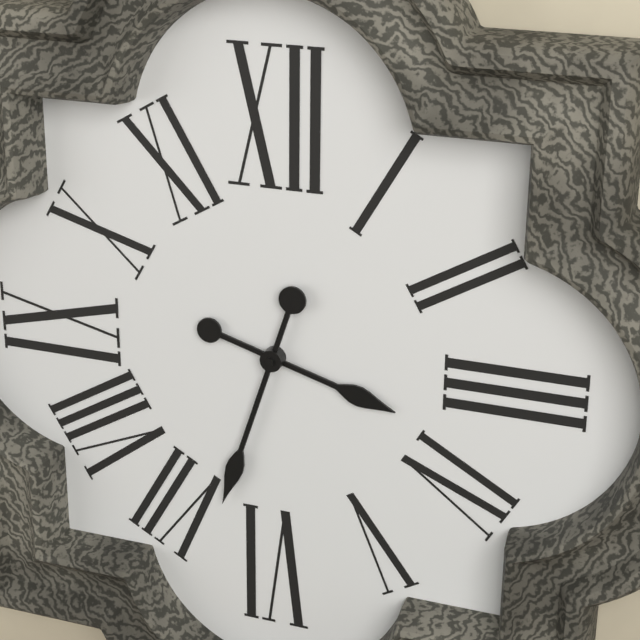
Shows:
3,33
